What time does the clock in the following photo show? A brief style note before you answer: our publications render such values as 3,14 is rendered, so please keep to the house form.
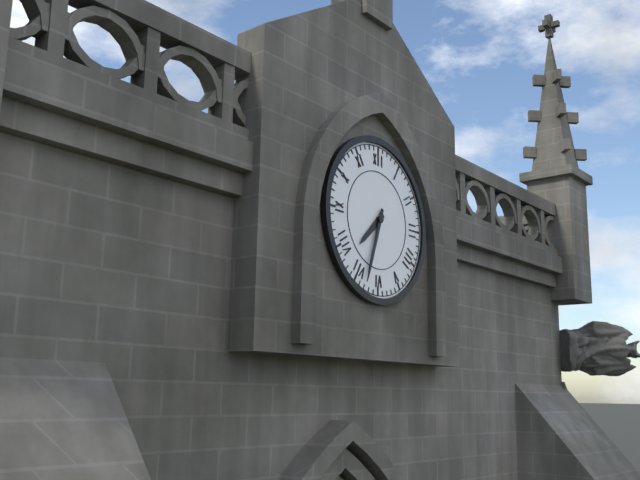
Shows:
7,33
